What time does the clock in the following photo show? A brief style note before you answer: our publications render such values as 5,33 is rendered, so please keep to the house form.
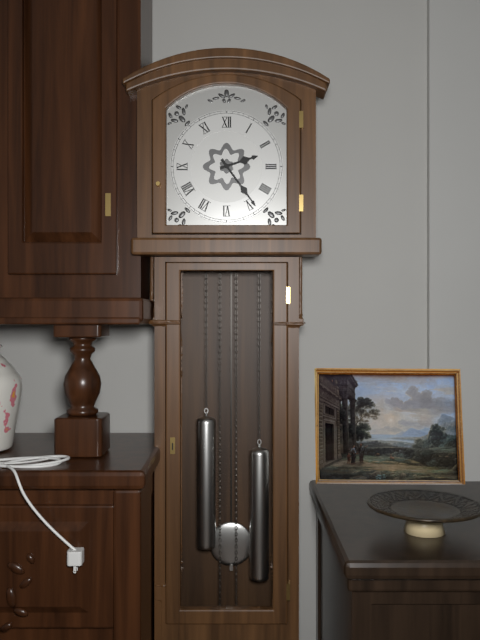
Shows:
2,24
